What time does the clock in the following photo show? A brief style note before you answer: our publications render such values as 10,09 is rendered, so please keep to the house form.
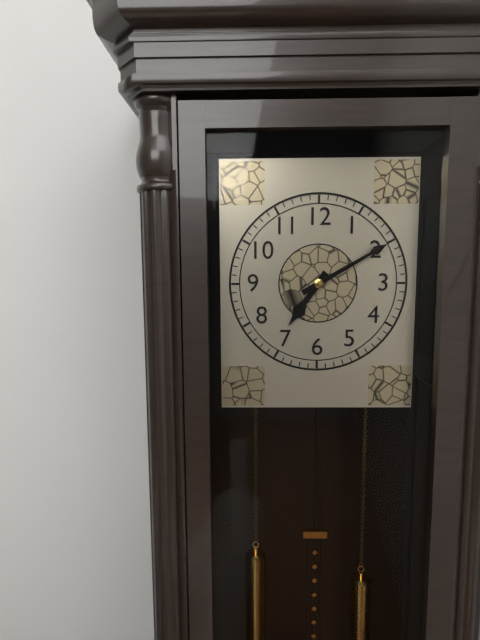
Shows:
7,10
